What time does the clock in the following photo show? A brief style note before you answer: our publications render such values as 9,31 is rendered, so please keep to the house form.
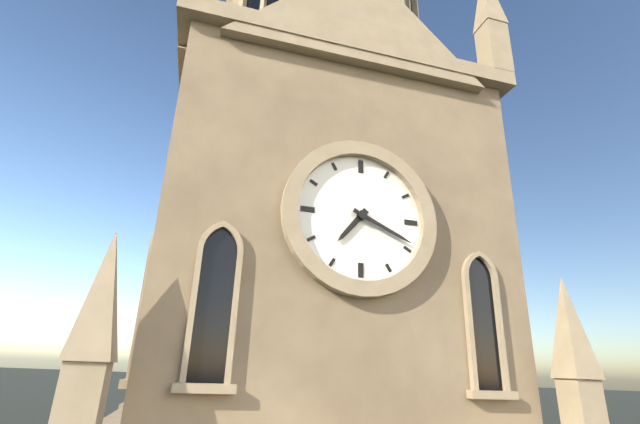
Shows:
7,19
